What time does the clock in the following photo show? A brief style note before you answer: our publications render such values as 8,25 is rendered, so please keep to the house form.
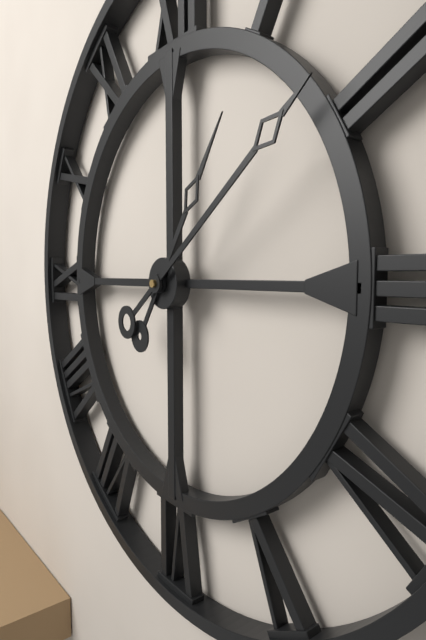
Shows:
1,09
